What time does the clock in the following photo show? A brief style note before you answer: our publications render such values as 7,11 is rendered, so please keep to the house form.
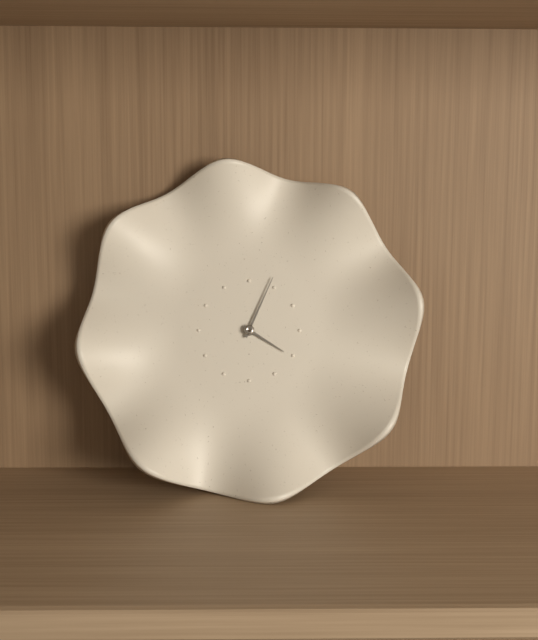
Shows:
4,04
